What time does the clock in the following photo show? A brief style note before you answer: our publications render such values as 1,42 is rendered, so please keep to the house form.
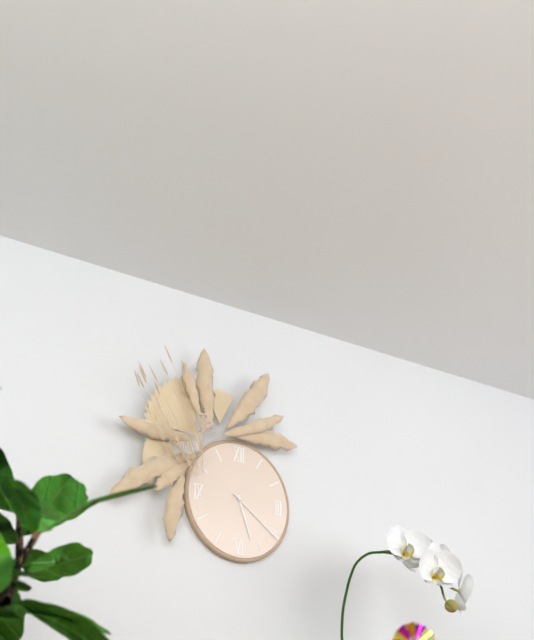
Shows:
5,21
